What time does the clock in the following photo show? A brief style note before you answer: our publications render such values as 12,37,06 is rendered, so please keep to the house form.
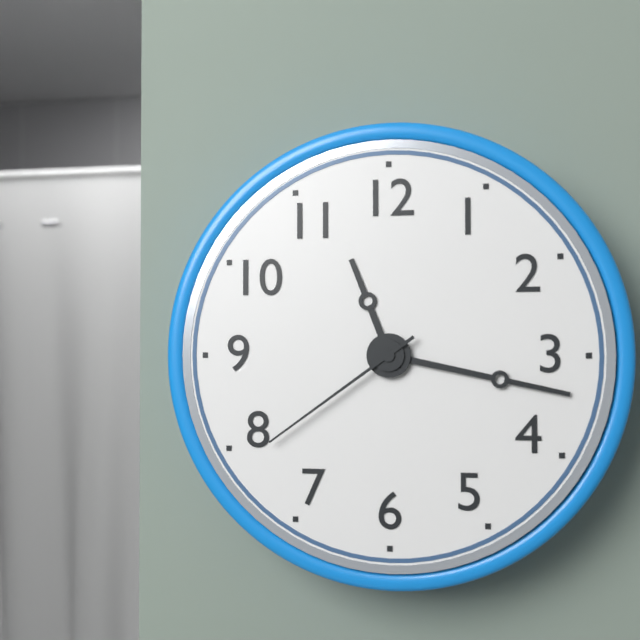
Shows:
11,17,39
